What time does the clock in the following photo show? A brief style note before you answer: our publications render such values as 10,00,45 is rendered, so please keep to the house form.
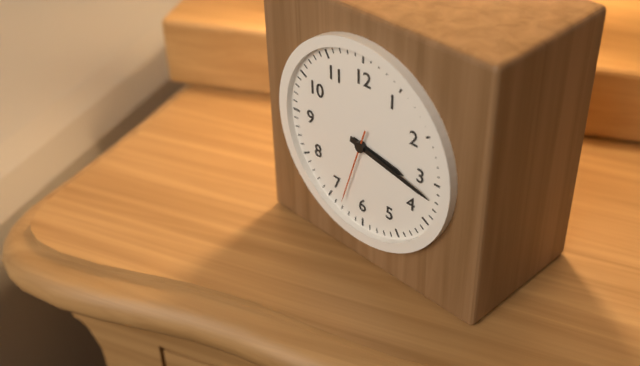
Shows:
3,17,33
